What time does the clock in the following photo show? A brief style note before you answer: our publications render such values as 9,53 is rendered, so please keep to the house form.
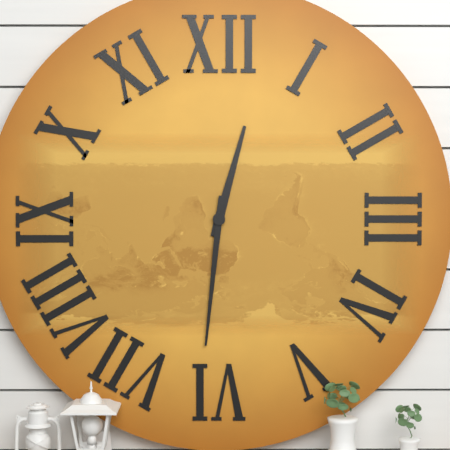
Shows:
12,31
